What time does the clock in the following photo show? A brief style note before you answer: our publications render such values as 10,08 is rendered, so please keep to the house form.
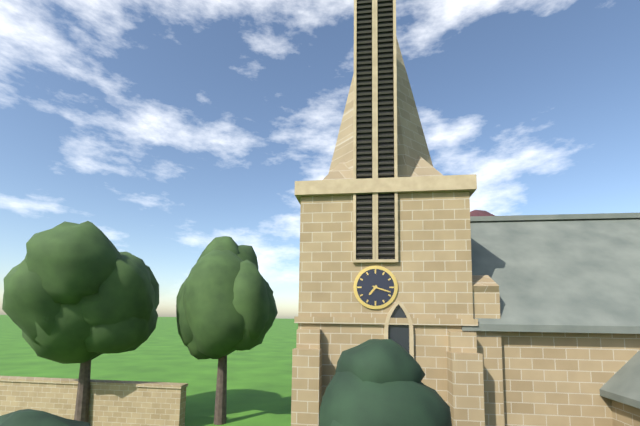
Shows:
7,18
